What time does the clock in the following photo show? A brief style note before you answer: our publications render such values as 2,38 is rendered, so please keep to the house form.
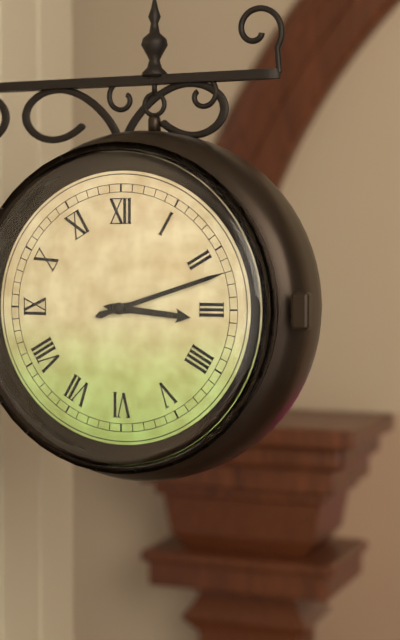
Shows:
3,12
